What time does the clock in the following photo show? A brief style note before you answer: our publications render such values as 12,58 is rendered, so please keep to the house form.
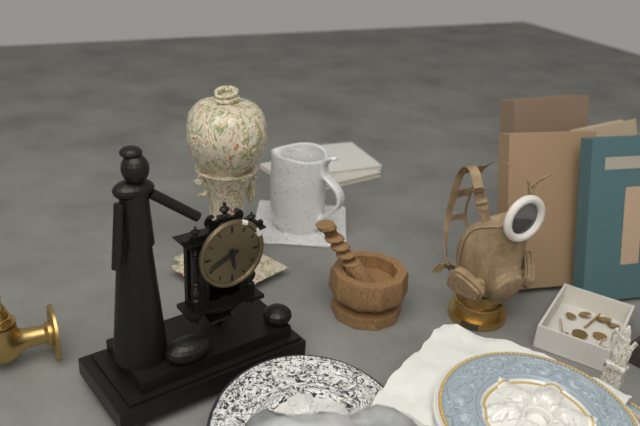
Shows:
5,41
